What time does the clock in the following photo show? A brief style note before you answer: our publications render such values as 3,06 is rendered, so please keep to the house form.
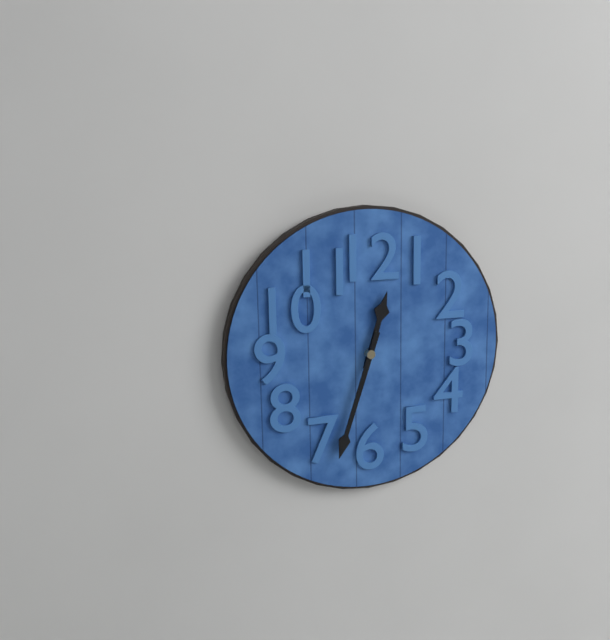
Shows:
12,33
